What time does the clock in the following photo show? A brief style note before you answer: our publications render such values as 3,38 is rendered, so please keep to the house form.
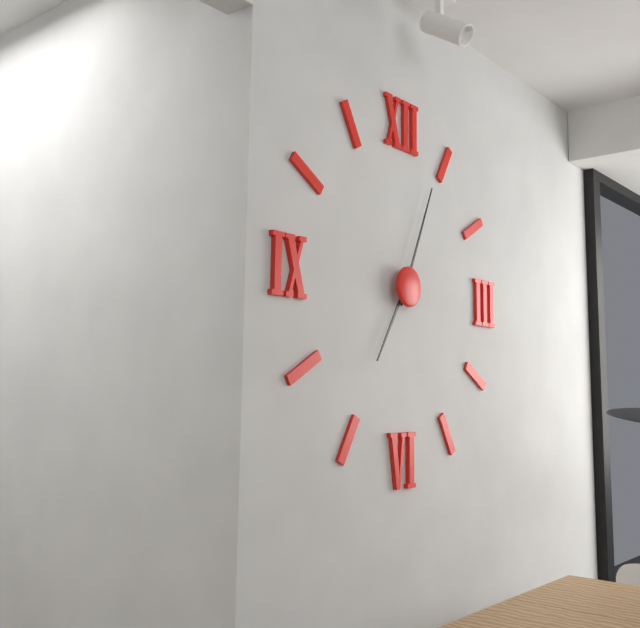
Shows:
7,04
